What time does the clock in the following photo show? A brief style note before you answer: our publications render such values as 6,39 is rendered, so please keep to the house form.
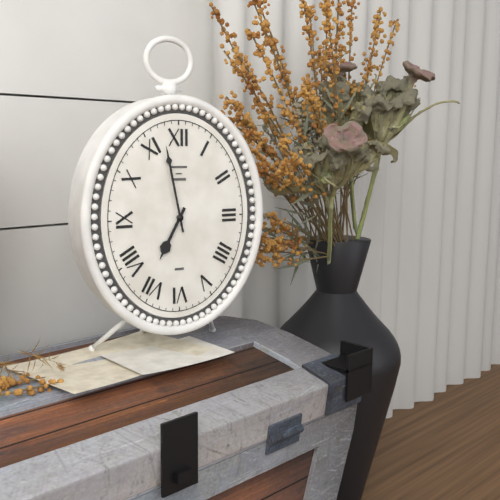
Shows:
6,58
